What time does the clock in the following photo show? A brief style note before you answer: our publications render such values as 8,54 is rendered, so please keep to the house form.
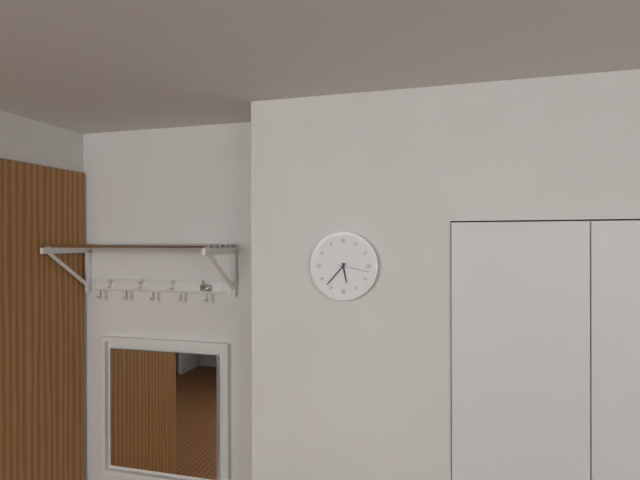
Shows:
5,37
